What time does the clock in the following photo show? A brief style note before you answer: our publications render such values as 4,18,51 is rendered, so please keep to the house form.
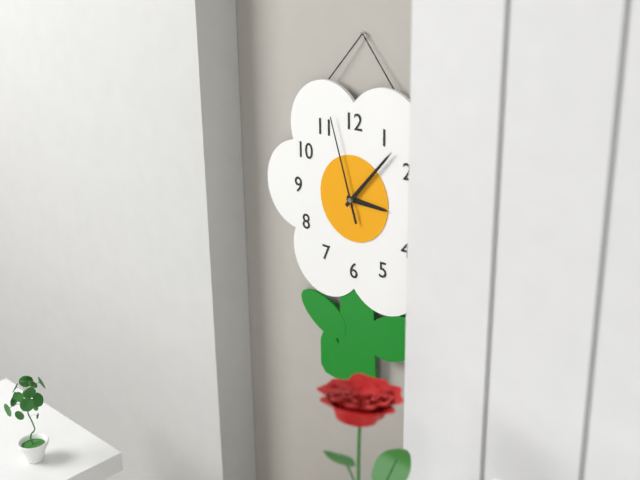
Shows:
3,07,57
